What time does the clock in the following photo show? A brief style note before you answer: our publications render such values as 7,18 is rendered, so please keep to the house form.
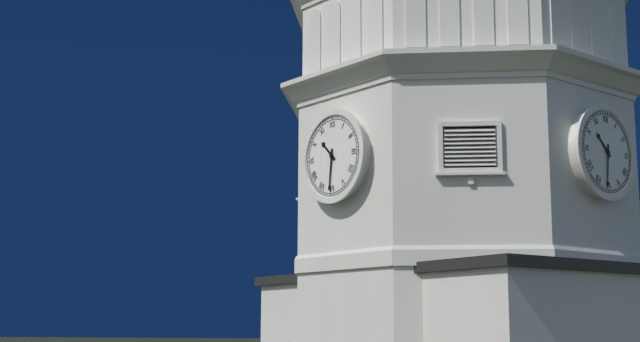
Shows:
10,31
